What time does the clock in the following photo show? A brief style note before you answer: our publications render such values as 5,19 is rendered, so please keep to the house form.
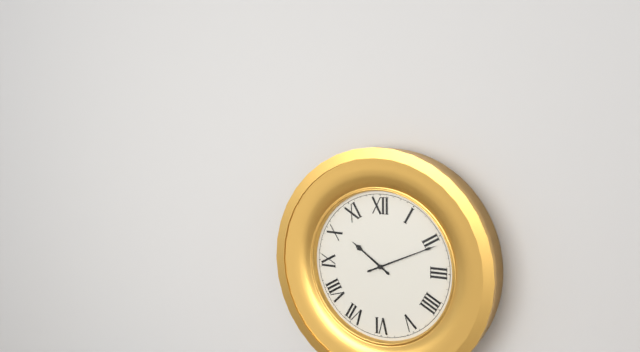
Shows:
10,11
